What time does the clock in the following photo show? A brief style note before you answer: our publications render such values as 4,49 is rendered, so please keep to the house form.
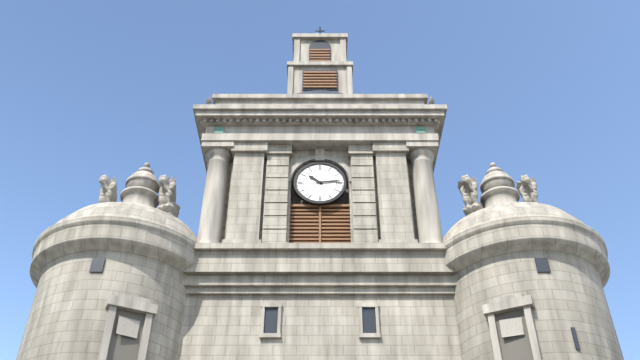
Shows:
10,14
